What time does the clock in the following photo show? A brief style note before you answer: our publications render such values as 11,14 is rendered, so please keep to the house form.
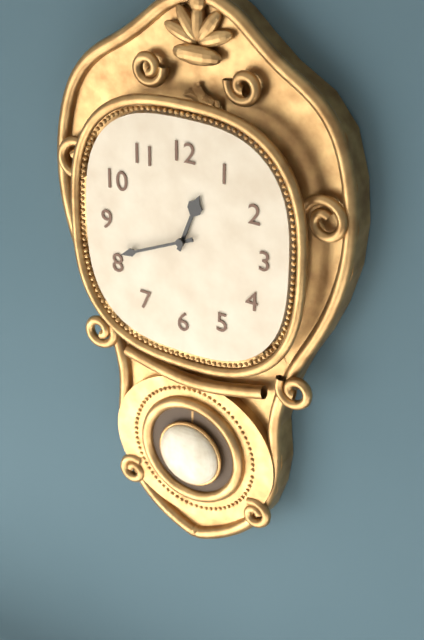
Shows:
12,41
